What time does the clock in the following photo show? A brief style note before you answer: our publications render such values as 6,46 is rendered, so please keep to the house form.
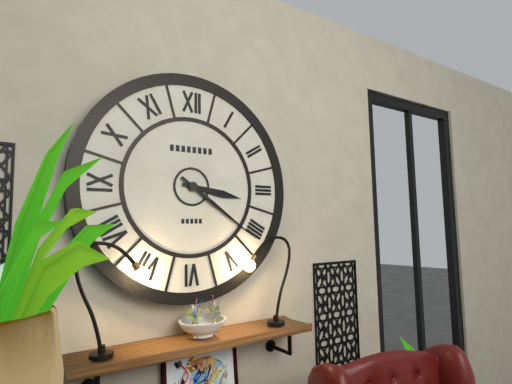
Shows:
3,21
